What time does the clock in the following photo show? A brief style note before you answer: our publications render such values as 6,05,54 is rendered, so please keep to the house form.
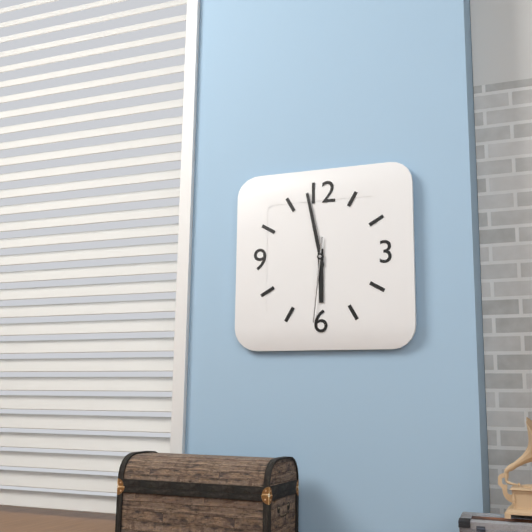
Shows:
5,58,31
